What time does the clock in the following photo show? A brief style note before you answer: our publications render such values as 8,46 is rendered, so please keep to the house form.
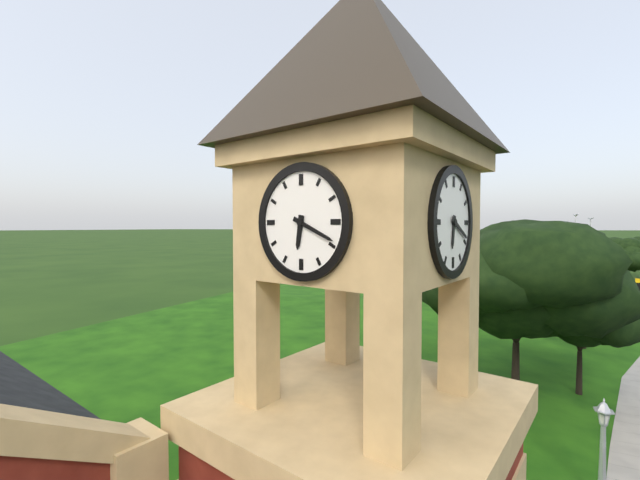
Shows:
6,19
